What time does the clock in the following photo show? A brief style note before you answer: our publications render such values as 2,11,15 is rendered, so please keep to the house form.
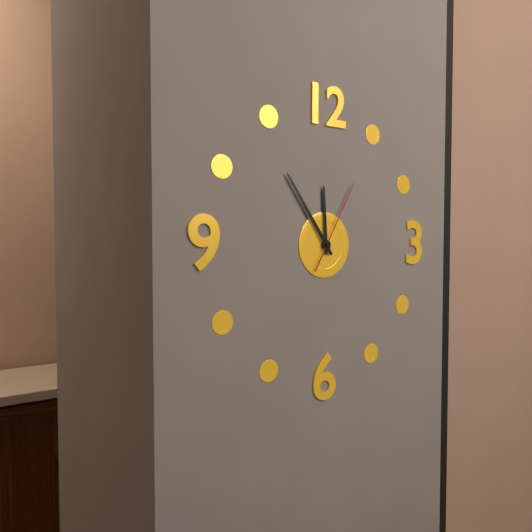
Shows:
11,54,05
